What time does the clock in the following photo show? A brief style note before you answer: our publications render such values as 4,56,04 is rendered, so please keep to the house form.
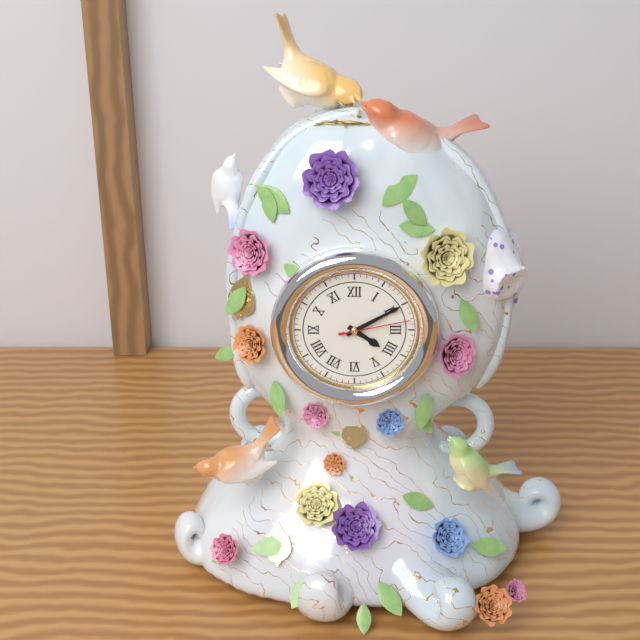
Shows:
4,10,13
